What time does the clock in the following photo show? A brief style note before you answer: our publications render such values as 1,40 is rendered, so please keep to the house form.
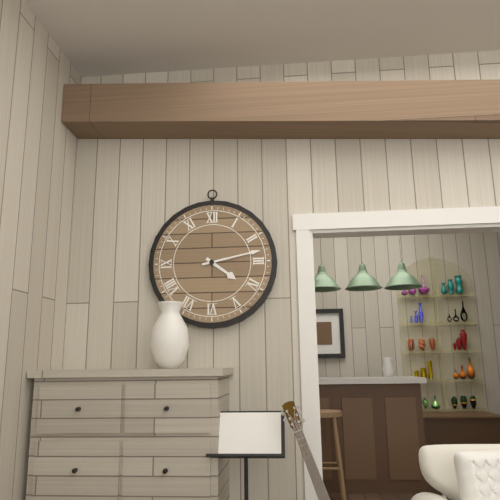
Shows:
4,13
